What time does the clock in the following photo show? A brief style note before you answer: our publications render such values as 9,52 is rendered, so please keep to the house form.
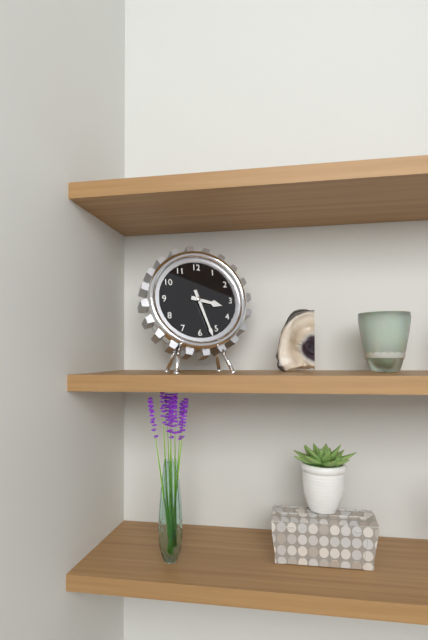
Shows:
3,27
